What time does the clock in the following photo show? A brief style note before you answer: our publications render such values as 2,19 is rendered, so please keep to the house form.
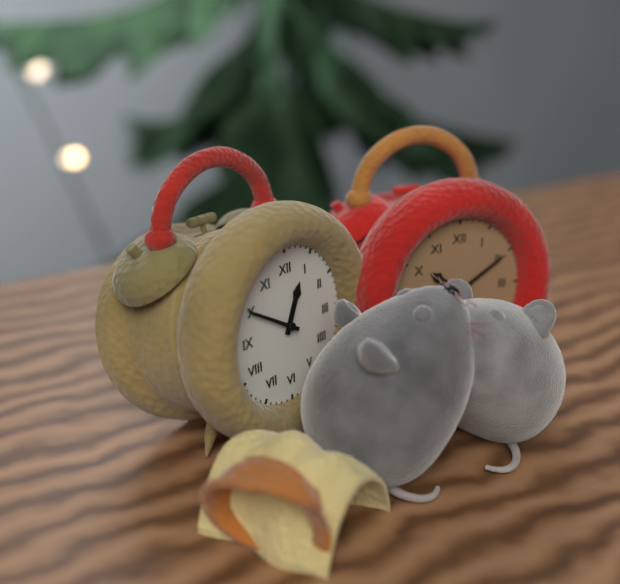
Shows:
12,50
